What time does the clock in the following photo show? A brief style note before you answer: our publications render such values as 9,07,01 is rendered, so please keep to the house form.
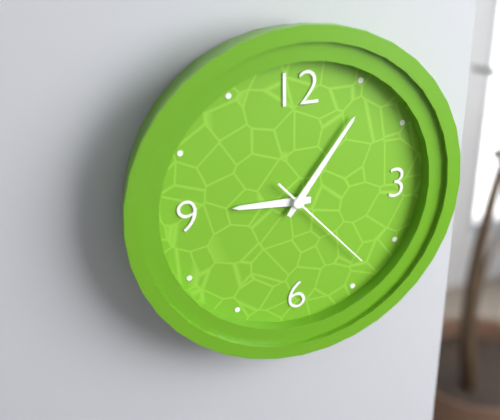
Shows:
9,06,23
